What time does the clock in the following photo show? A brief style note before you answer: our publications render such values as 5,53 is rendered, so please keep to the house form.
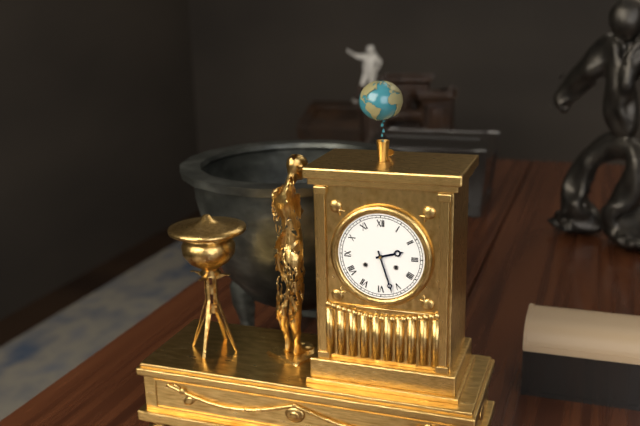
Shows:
2,27
